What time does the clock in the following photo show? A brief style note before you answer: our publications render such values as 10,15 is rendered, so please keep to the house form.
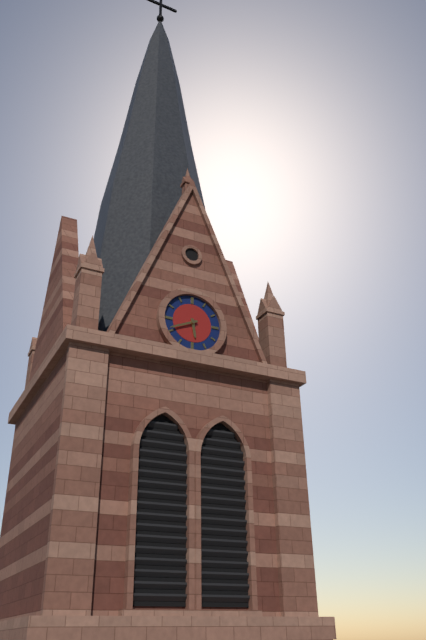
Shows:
5,41
